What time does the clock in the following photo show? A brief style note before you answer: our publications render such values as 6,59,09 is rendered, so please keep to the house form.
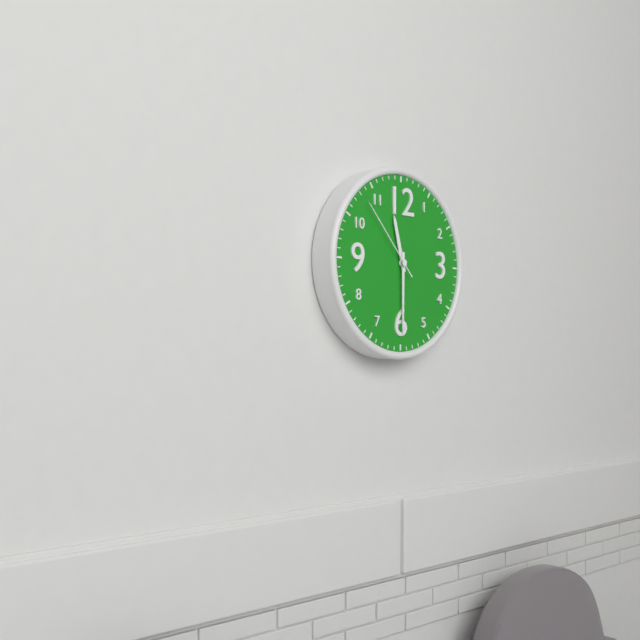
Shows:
11,30,53
